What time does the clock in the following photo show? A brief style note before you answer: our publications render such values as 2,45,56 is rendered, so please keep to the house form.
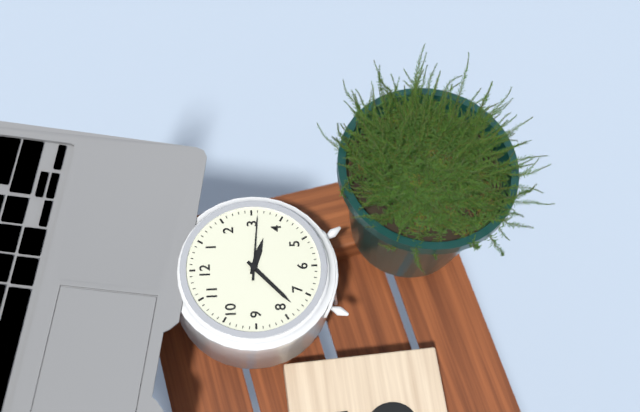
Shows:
3,38,16
